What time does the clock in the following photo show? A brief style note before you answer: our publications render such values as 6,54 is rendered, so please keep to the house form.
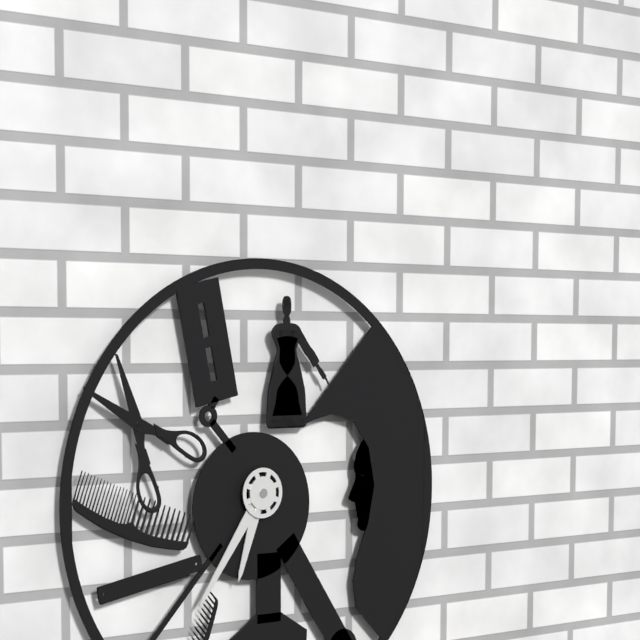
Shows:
6,36
